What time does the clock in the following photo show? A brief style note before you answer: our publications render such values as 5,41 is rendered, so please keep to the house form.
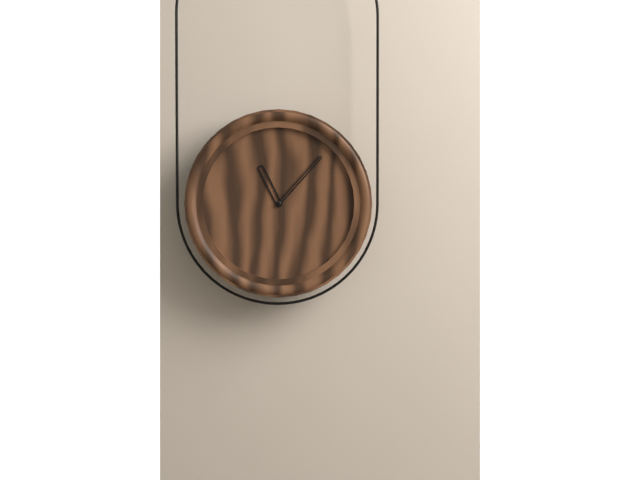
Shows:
11,07
